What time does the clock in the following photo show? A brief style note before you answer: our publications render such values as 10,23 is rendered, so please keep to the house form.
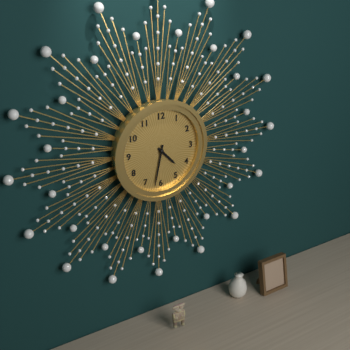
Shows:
4,32
